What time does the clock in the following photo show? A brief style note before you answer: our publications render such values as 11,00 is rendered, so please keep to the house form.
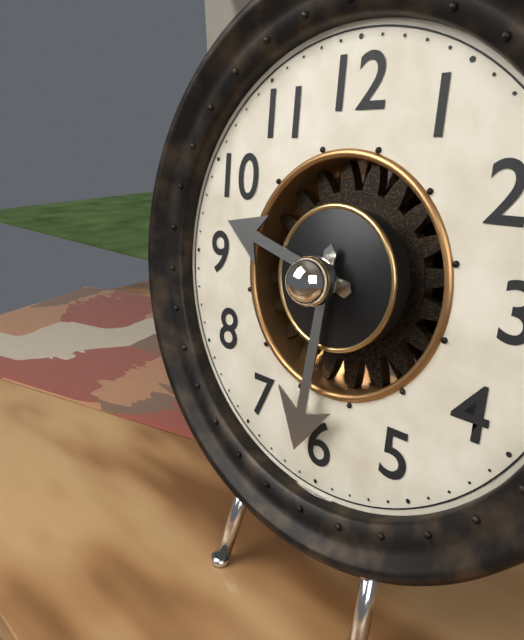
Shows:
9,31
